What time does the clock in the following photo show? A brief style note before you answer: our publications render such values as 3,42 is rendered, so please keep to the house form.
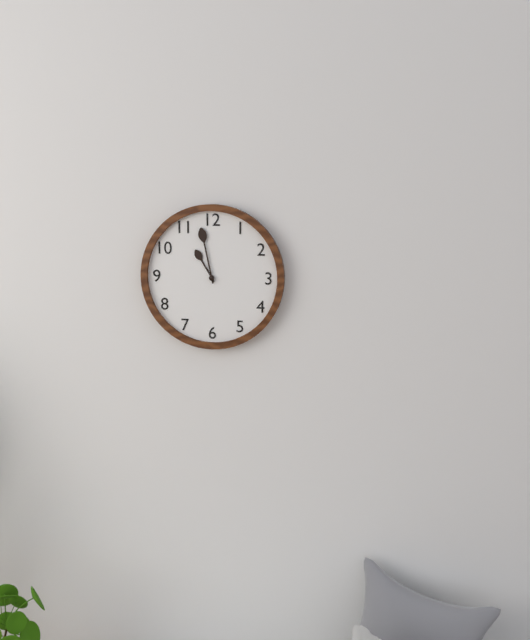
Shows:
10,58
